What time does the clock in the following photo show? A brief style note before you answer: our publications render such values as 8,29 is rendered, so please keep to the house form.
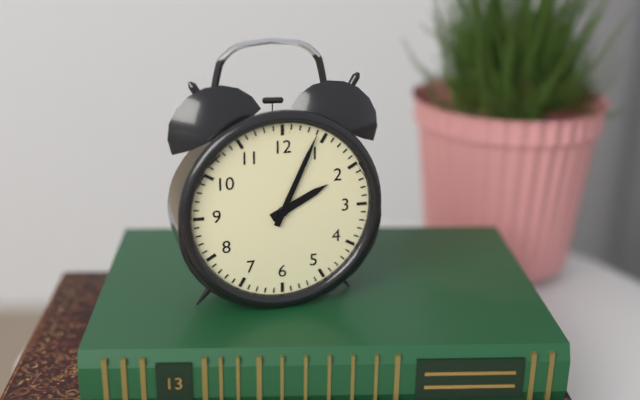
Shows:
2,04
